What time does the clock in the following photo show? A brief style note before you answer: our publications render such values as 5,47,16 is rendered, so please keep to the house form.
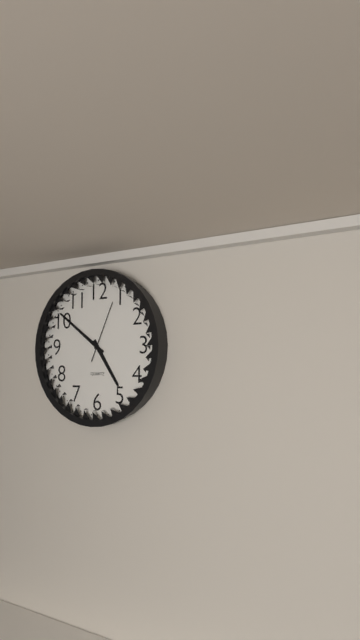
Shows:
4,51,04
